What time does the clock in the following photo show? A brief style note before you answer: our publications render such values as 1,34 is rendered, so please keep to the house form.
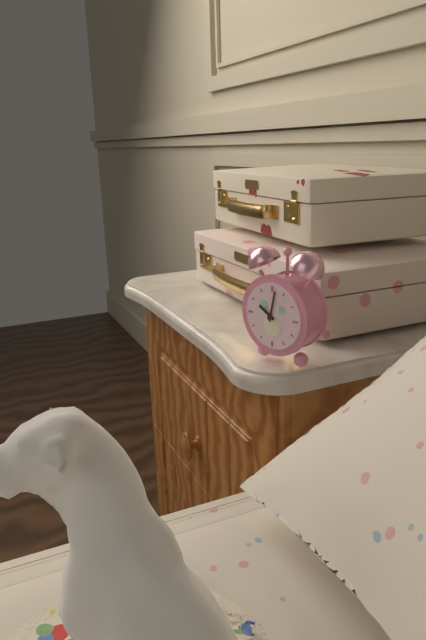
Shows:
10,02
